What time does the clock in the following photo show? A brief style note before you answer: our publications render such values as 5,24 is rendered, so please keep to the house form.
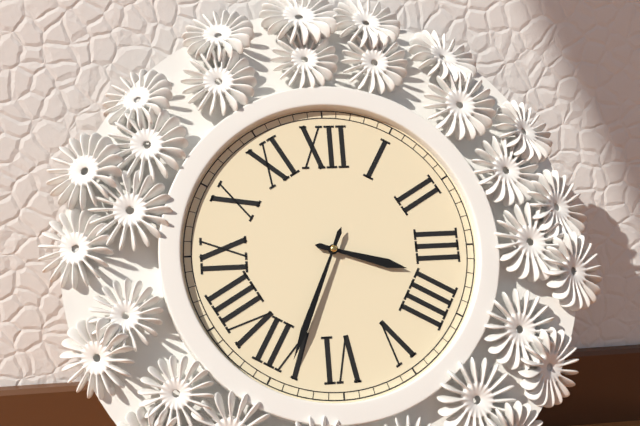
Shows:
3,34
